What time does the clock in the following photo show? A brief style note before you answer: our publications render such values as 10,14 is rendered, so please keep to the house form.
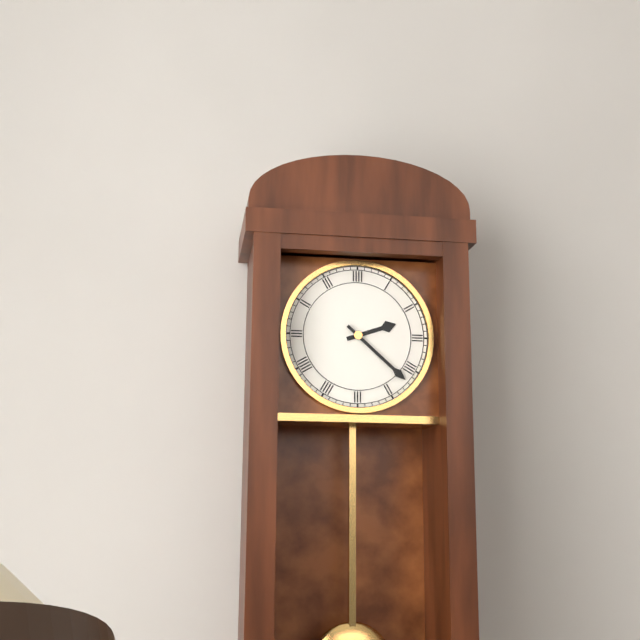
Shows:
2,22
